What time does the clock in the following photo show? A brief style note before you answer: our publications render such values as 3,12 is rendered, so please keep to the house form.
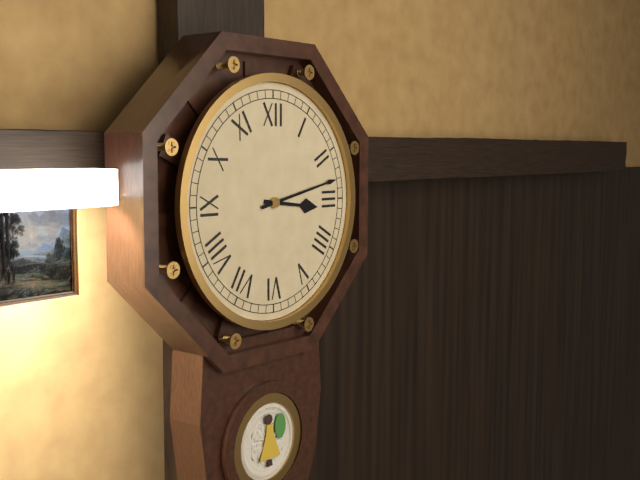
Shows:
3,13
